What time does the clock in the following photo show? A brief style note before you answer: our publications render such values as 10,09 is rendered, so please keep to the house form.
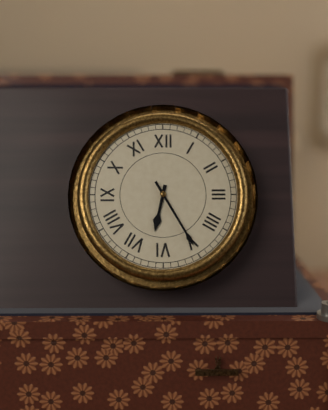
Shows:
6,25
